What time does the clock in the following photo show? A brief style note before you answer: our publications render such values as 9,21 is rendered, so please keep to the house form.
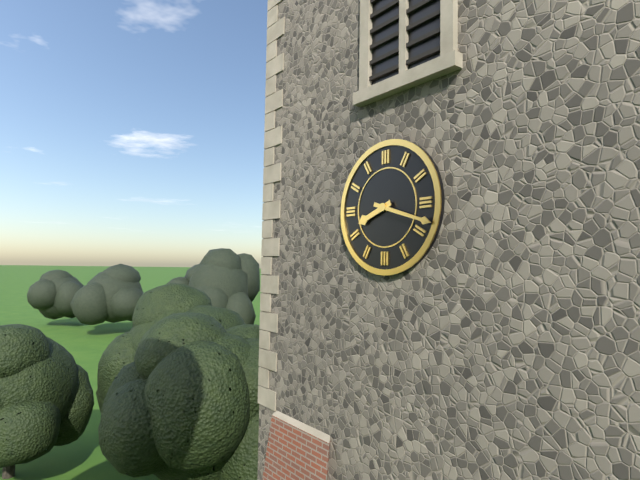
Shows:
8,18
